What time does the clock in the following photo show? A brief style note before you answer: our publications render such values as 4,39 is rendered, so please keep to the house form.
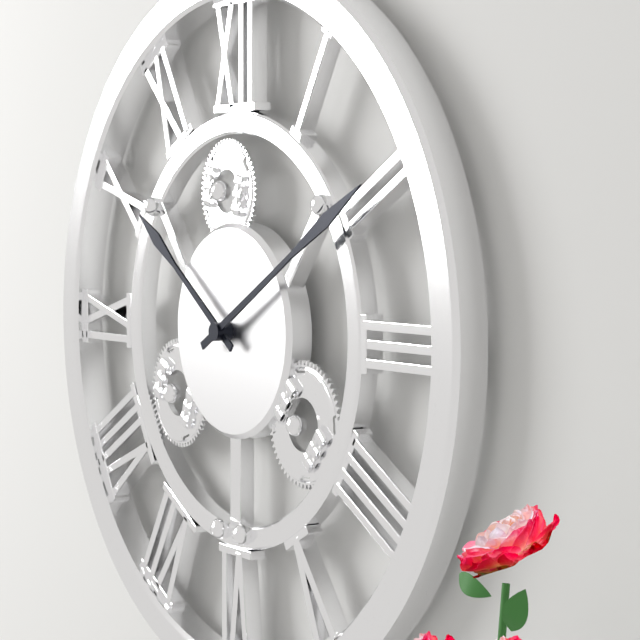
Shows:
10,10
